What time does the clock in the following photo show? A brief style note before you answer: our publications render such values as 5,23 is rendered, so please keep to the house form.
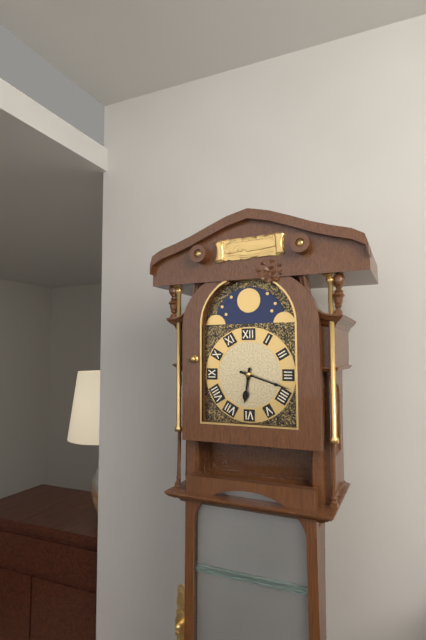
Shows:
6,18
